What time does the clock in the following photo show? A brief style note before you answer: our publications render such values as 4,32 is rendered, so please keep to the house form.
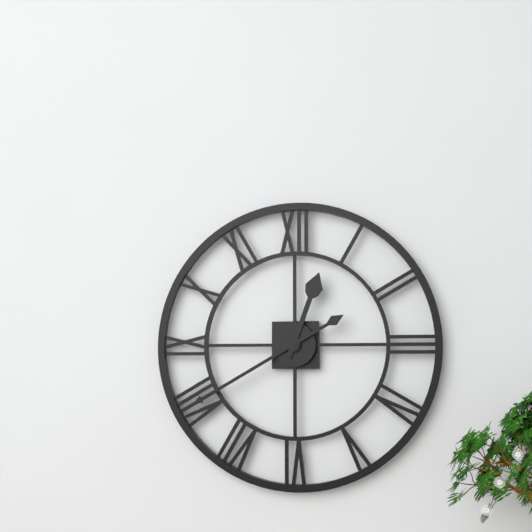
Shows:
12,40
